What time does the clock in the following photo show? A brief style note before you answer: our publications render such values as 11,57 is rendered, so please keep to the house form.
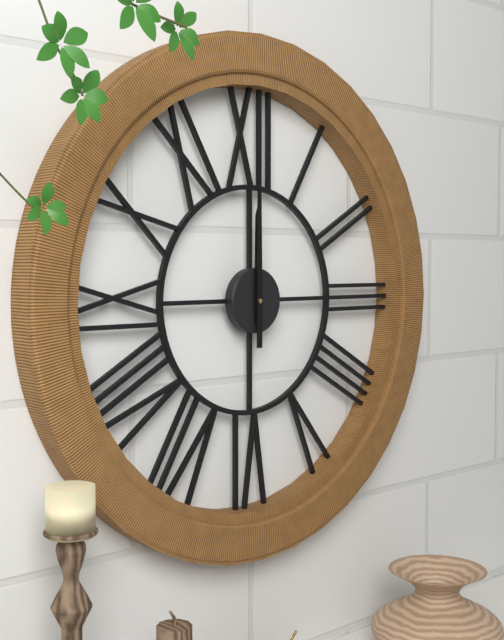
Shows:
12,00
